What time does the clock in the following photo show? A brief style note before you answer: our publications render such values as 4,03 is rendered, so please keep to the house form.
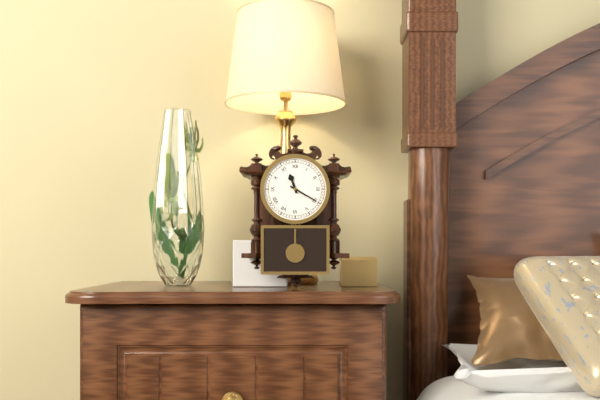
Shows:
11,20
